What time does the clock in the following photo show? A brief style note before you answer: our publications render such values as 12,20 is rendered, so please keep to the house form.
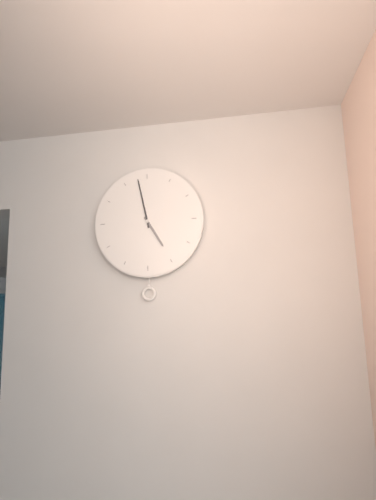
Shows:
4,58
